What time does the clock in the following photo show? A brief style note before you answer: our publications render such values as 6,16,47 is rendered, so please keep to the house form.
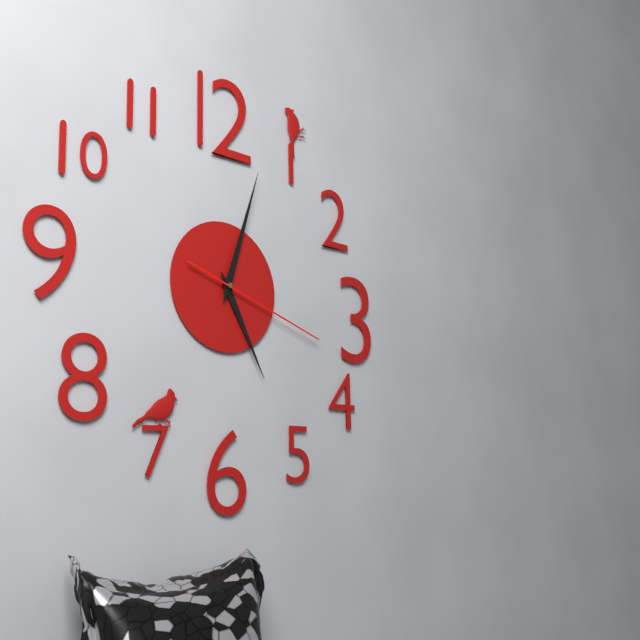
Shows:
5,03,18
